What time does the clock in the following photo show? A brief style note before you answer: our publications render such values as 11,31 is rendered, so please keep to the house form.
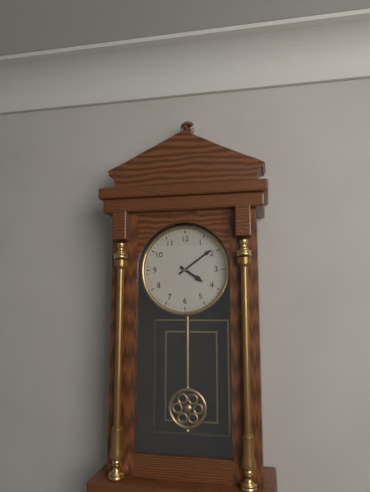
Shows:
4,09
